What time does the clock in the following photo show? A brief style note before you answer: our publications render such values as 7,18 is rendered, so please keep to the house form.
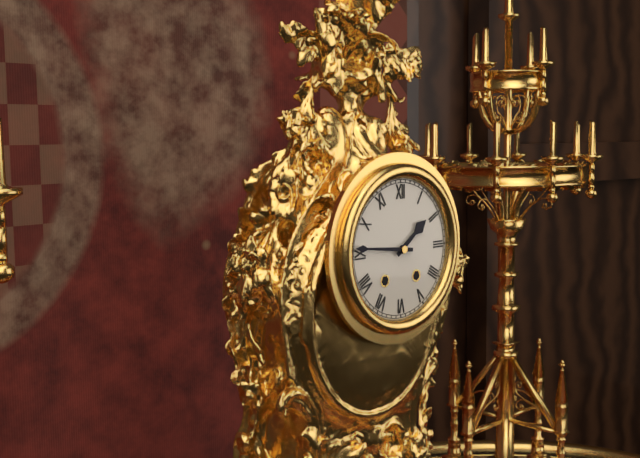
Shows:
1,46
